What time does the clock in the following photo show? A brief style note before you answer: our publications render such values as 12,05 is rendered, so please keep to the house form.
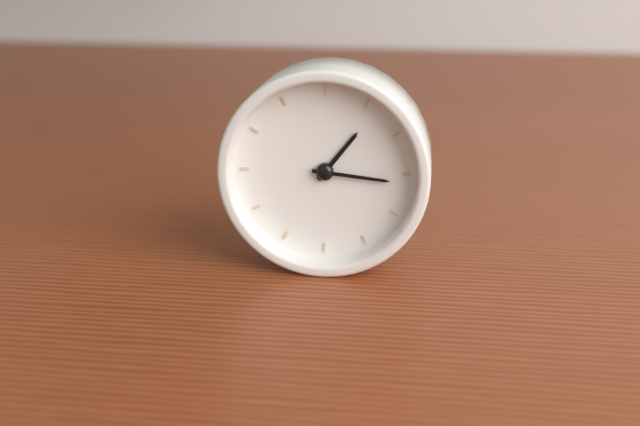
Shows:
1,16
